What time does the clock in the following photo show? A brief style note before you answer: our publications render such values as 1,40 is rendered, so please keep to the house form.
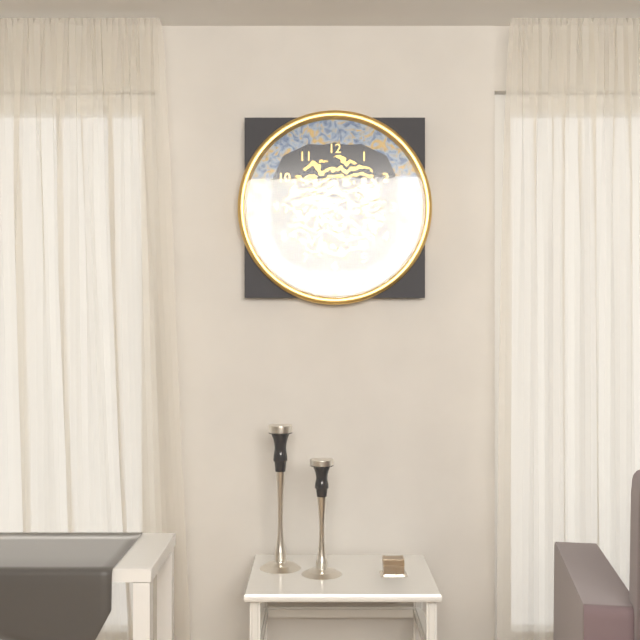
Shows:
9,22
